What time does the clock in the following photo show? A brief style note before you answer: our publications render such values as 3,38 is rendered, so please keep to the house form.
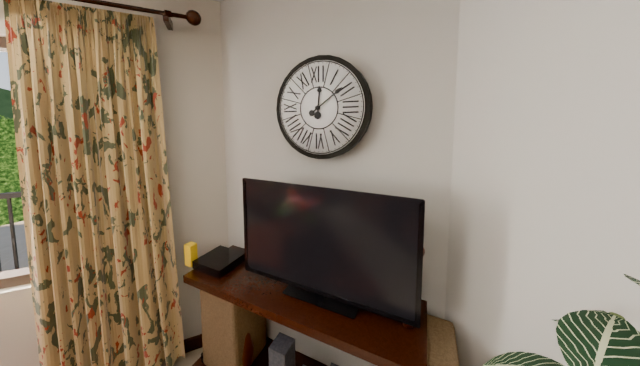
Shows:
12,09
